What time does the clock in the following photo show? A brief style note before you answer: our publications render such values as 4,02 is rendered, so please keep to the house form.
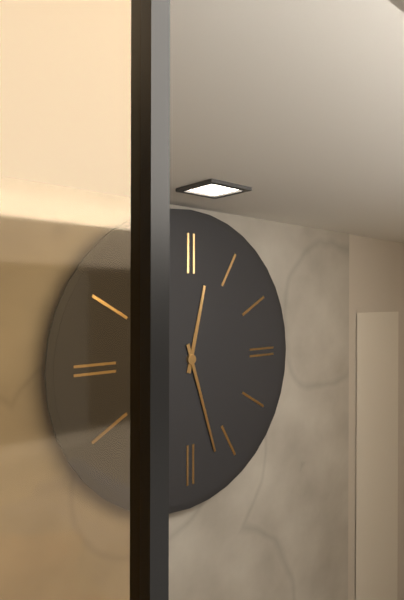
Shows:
12,27
